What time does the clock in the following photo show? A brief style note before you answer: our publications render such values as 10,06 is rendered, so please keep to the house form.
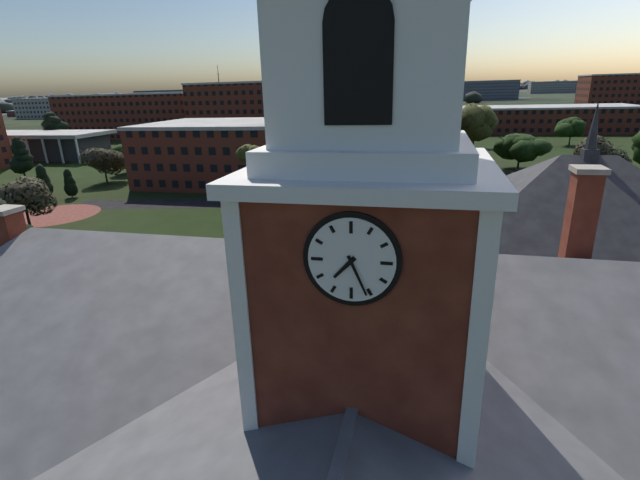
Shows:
7,26
